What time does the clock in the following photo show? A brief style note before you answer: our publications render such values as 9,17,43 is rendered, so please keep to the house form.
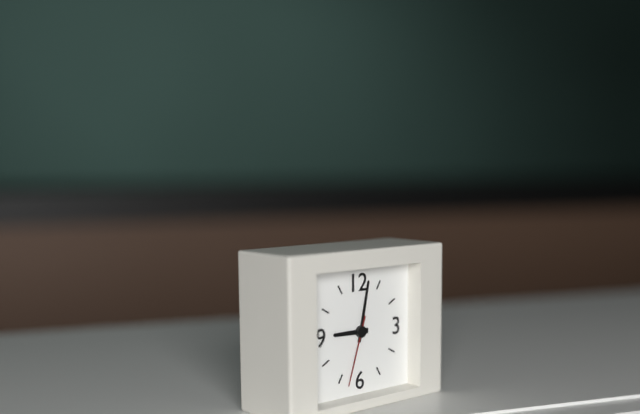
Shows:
9,02,33
